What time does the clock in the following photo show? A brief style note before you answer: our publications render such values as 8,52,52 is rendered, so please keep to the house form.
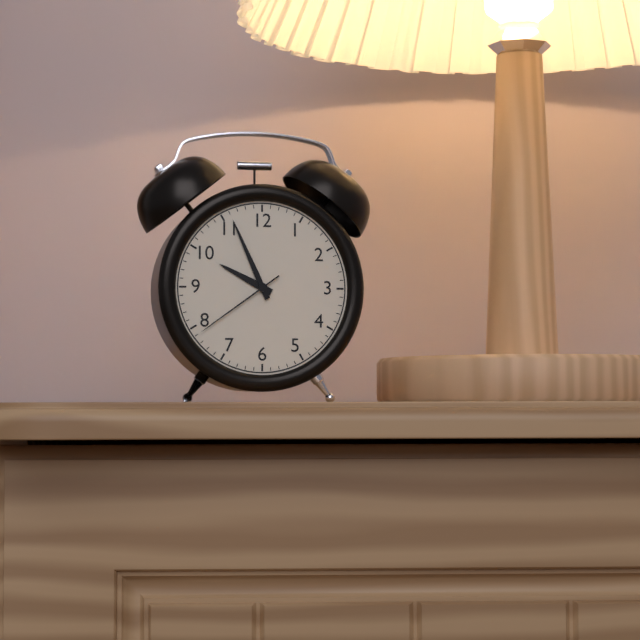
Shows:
9,56,39
